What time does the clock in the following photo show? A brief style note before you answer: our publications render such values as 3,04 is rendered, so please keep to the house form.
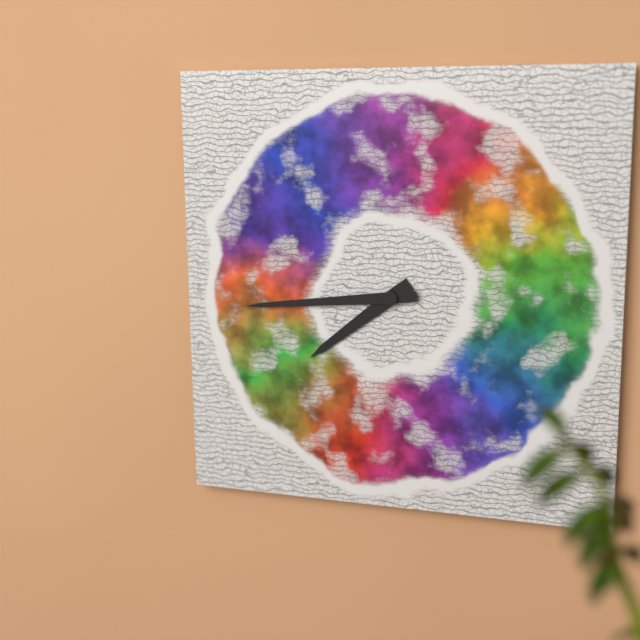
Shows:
7,44
